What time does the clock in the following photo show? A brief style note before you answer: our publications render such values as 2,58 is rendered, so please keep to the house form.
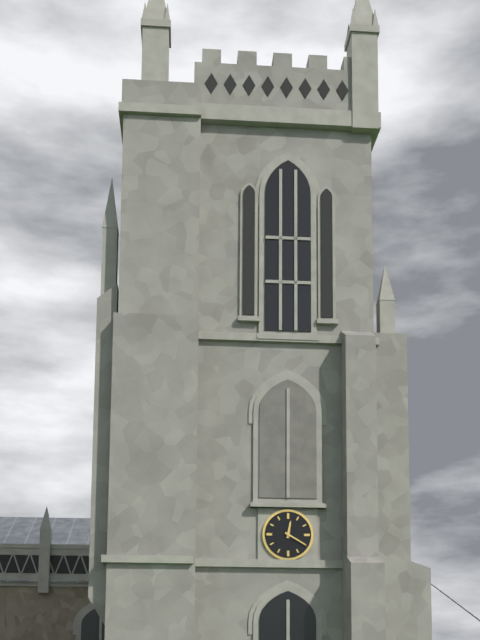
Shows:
12,20
